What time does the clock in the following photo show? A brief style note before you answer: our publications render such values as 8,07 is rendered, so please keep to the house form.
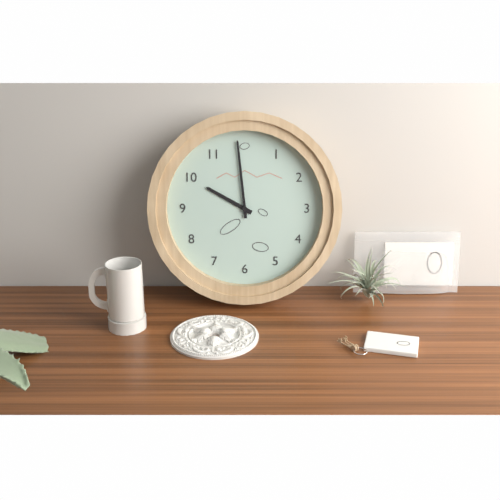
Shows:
9,59
